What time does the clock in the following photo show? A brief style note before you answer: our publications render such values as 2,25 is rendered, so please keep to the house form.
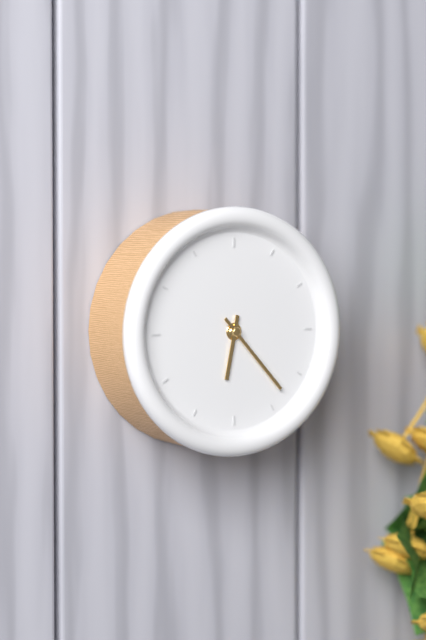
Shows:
6,23
